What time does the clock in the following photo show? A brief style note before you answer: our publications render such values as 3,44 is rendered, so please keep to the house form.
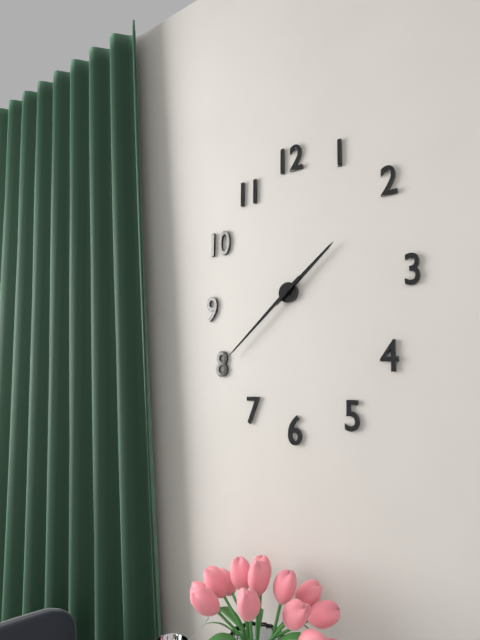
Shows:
1,38
